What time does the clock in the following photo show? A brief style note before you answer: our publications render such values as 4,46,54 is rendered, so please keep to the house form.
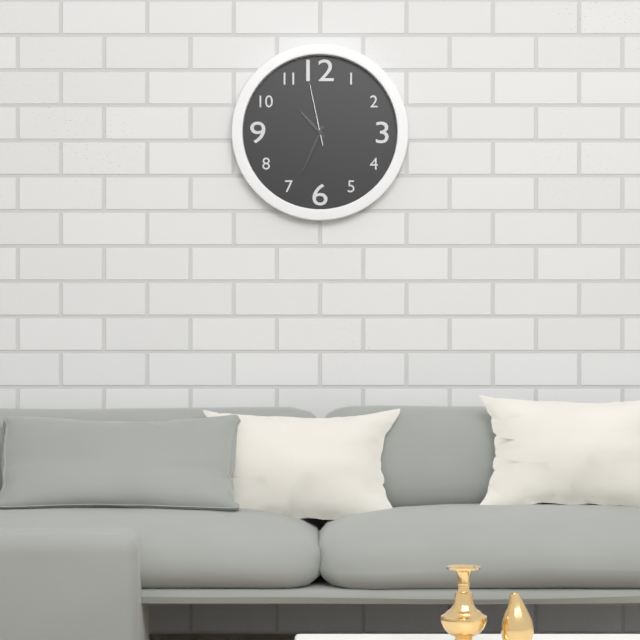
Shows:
10,34,58
